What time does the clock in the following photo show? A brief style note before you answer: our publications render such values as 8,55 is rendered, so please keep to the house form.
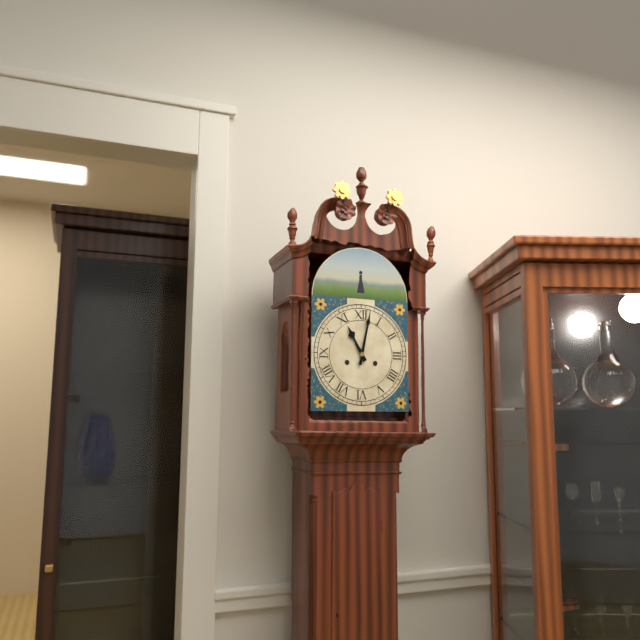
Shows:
11,02
